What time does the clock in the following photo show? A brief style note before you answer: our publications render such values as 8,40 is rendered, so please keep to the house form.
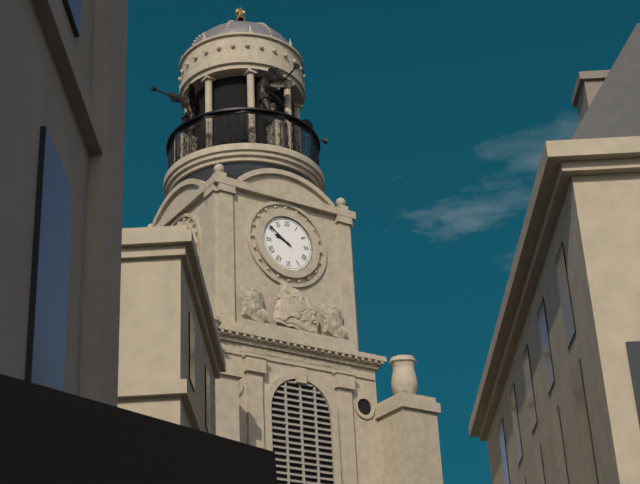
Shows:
9,51
